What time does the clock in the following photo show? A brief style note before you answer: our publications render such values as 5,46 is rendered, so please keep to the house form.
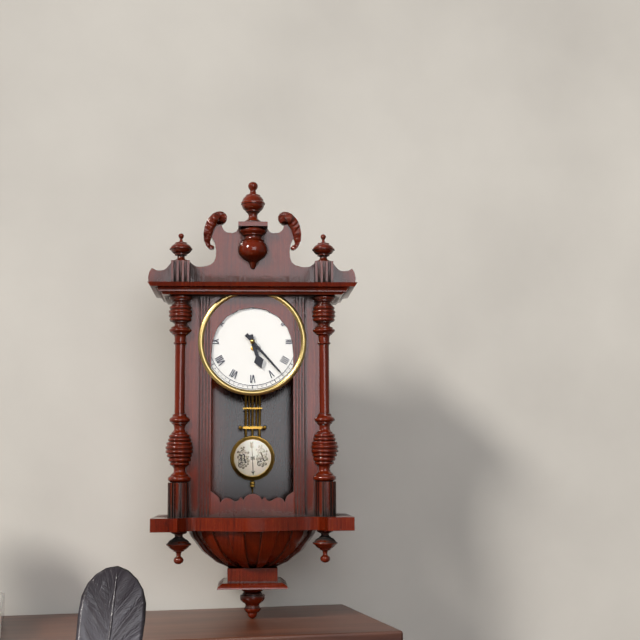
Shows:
5,23
